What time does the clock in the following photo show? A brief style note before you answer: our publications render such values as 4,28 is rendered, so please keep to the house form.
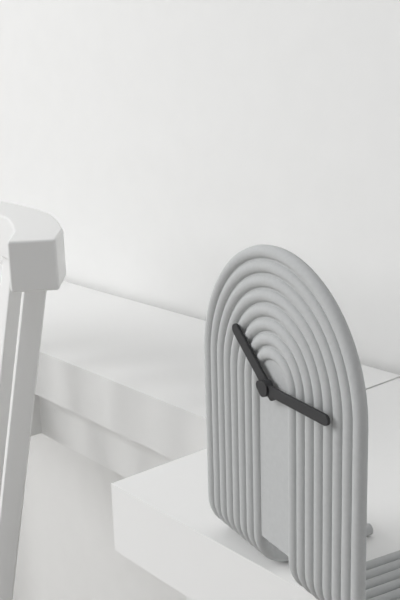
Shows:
10,15
